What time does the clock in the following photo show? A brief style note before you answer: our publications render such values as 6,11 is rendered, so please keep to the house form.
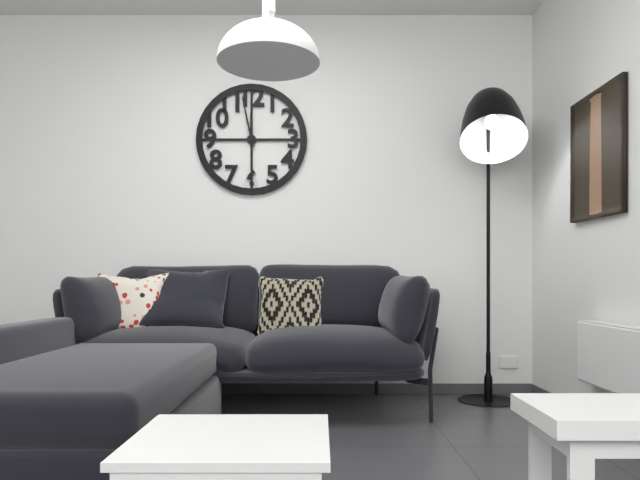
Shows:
11,58
